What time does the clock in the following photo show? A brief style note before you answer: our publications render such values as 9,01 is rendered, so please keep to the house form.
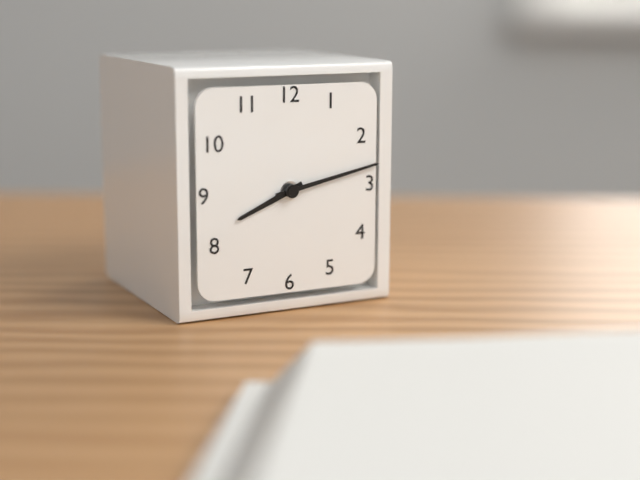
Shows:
8,13
